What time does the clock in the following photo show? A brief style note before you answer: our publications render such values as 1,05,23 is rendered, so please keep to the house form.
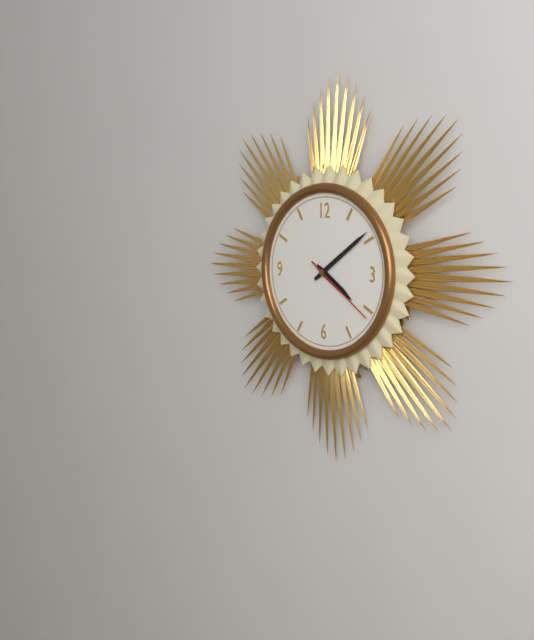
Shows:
4,09,21
